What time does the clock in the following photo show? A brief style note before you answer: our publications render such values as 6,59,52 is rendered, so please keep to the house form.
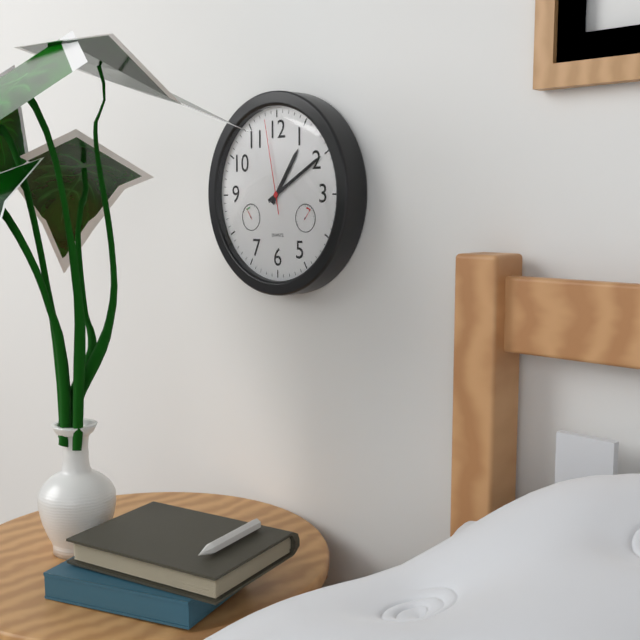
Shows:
1,10,58
